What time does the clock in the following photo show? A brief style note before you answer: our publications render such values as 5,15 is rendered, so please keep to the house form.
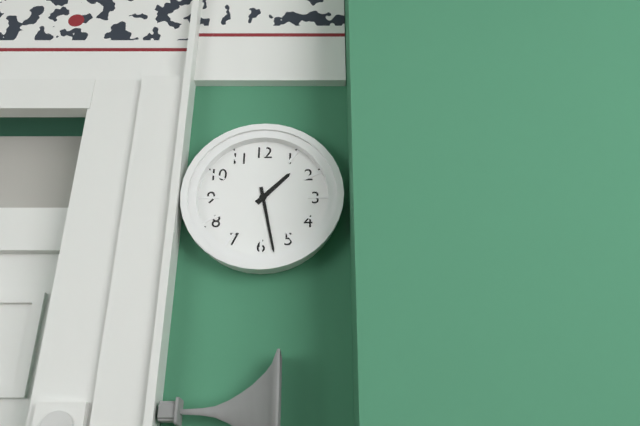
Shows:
1,28
